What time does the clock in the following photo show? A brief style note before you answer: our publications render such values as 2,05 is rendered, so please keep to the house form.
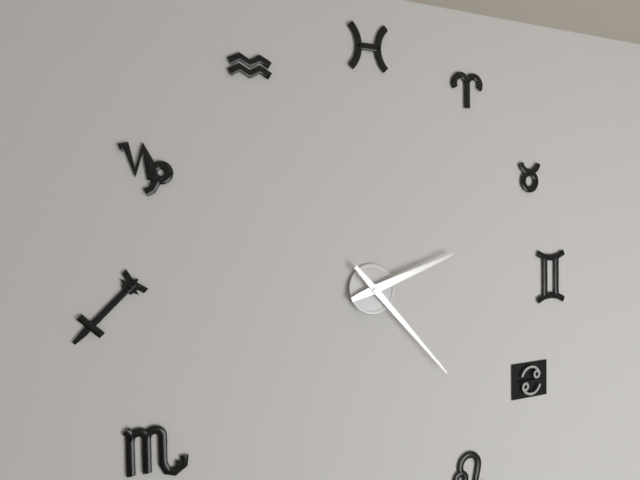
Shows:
2,23
